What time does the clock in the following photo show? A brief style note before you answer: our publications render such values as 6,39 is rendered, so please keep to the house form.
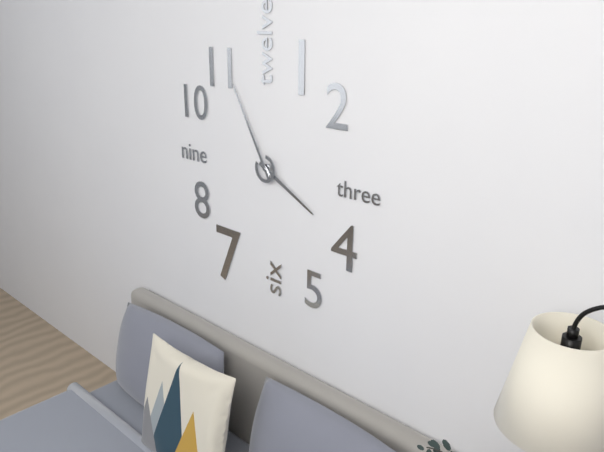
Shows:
3,55
